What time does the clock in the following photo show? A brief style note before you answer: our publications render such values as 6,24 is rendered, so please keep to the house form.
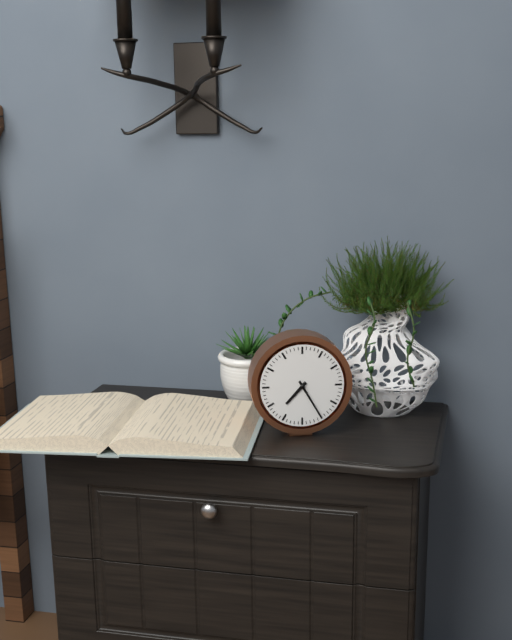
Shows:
7,25
